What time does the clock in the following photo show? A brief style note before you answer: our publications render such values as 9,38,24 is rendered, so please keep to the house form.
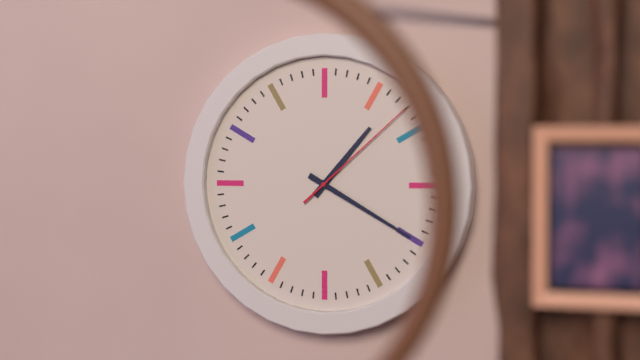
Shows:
1,20,08
